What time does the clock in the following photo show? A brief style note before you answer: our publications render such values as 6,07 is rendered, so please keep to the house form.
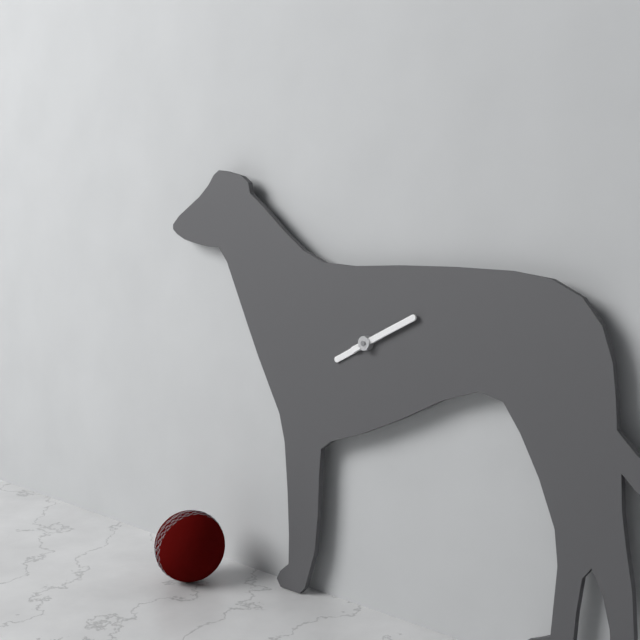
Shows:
8,11
